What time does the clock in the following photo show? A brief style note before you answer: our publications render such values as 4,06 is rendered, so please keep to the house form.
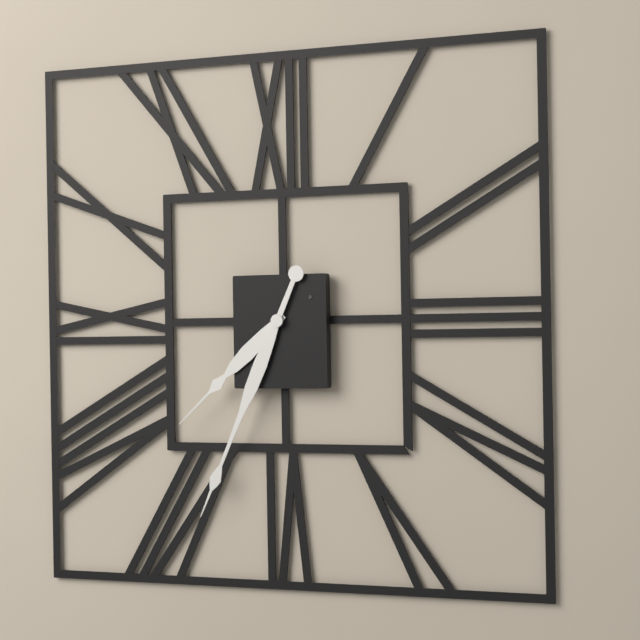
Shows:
7,34
